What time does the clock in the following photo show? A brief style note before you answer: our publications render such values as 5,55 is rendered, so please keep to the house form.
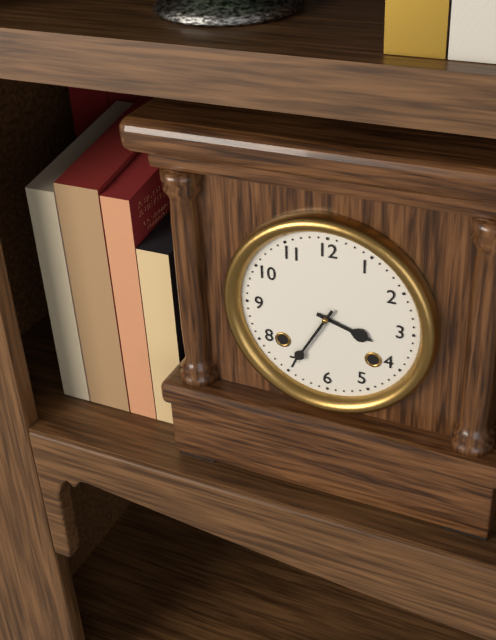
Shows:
3,35
